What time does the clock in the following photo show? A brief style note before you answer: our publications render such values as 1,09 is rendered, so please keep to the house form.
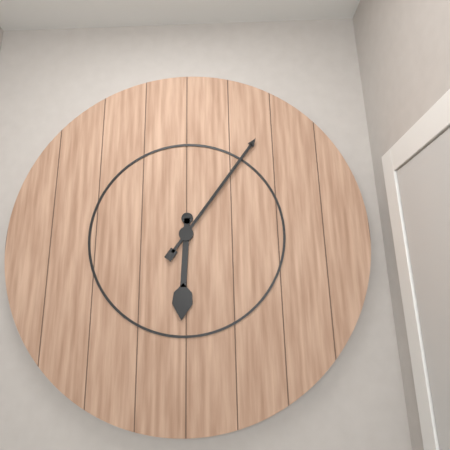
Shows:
6,06
